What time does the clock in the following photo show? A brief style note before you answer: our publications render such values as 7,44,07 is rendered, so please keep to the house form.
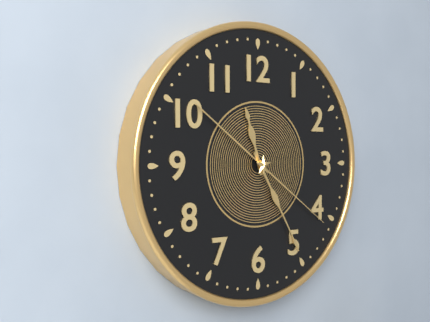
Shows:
11,25,21
